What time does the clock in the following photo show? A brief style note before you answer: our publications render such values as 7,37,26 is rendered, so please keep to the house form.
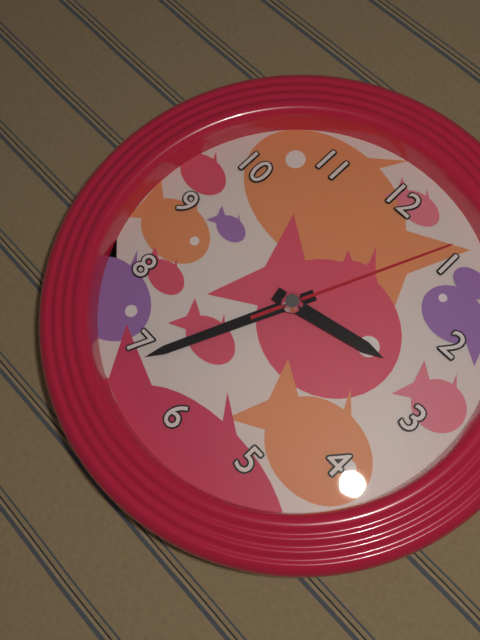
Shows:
2,34,04
